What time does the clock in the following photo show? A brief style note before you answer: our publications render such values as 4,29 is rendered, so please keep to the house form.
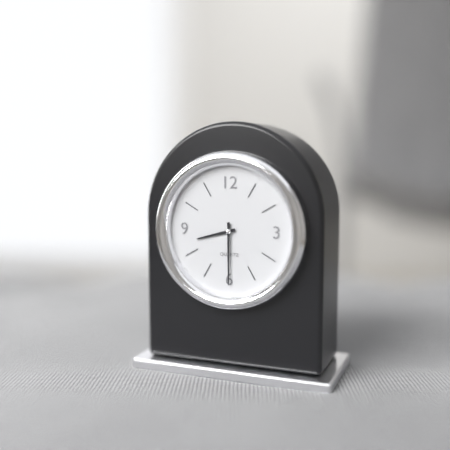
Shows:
8,30
